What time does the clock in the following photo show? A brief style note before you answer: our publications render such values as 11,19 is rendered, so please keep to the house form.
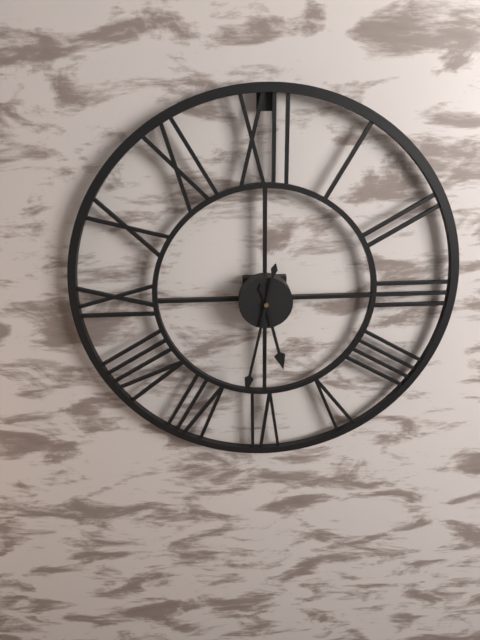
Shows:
5,32
